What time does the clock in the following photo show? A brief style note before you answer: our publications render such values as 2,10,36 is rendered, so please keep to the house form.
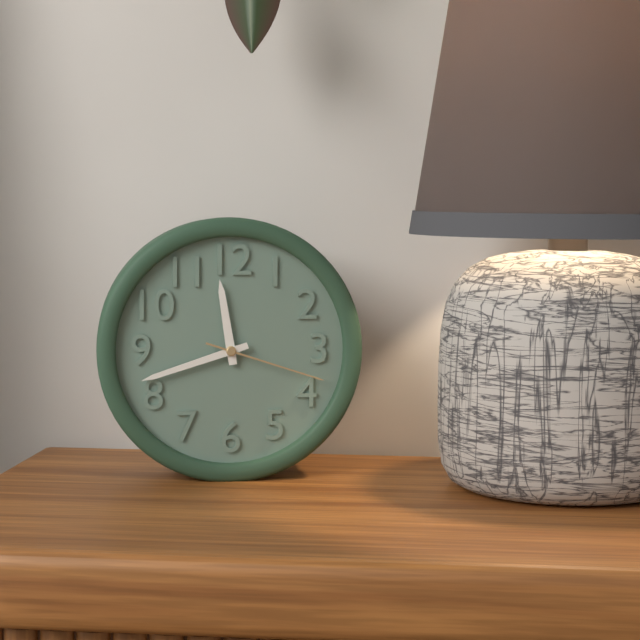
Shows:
11,42,18
